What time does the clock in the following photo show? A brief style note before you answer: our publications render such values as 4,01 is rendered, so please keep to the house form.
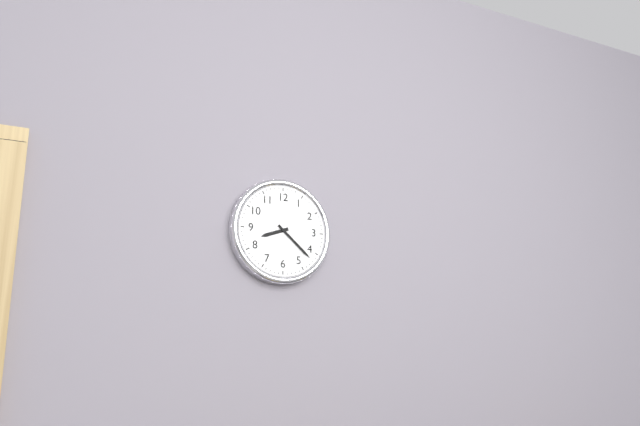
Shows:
8,22
